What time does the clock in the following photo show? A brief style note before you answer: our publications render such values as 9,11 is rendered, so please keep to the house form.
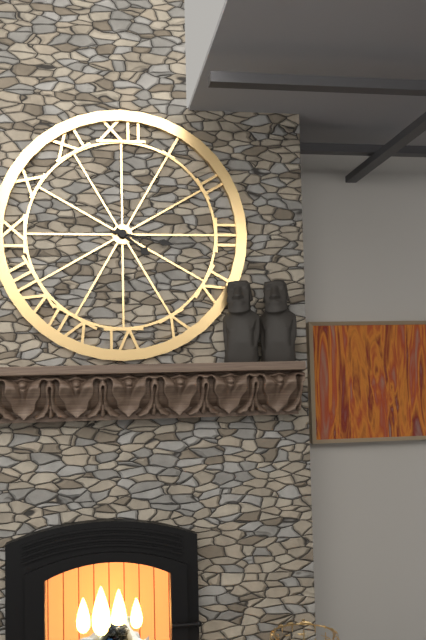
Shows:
4,17
